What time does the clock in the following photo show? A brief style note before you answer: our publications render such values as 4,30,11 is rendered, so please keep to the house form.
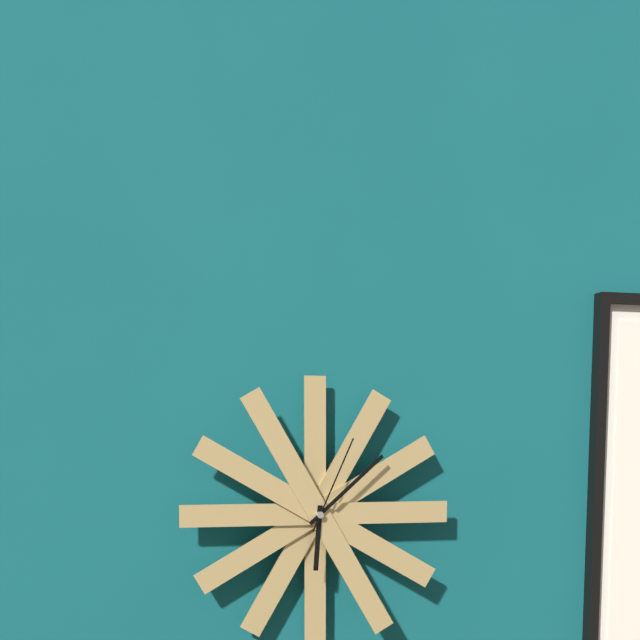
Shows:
6,08,04
